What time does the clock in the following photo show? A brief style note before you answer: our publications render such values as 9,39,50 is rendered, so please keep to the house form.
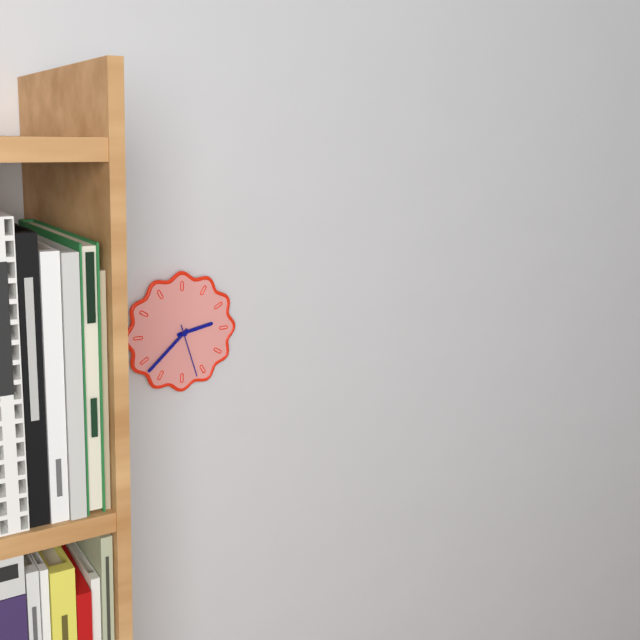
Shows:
2,38,27
